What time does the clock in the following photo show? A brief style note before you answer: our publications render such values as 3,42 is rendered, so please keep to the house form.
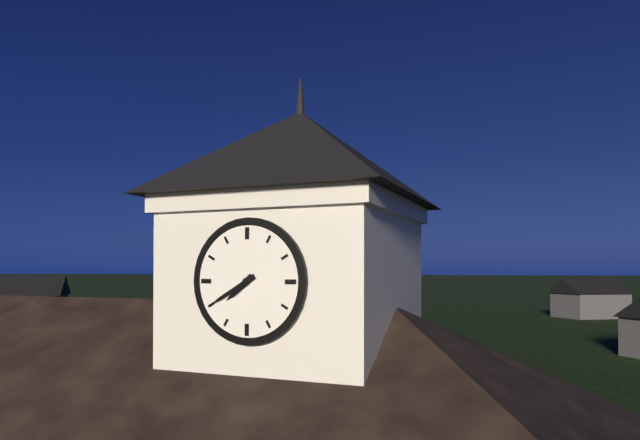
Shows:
7,40
